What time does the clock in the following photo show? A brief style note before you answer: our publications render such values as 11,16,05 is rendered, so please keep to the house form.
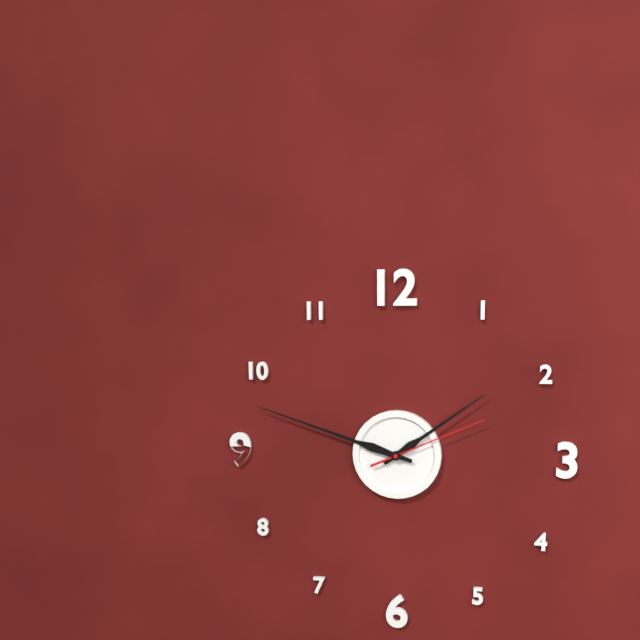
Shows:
1,48,11
